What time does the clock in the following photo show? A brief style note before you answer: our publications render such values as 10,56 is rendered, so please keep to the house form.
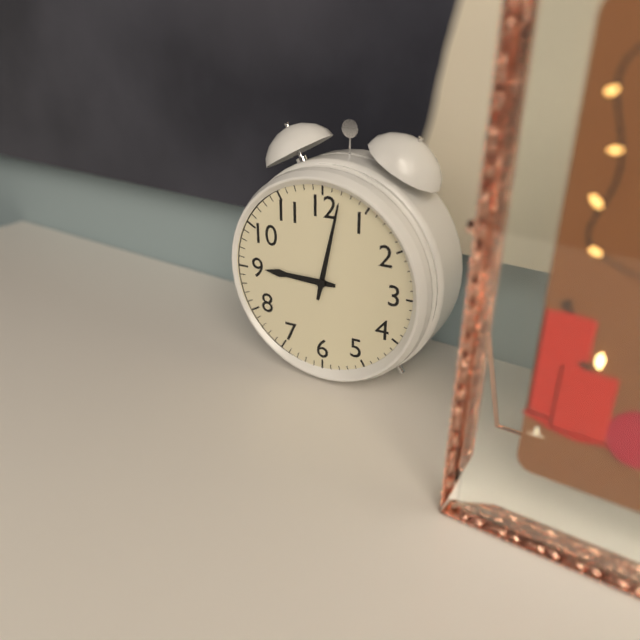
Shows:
9,02
